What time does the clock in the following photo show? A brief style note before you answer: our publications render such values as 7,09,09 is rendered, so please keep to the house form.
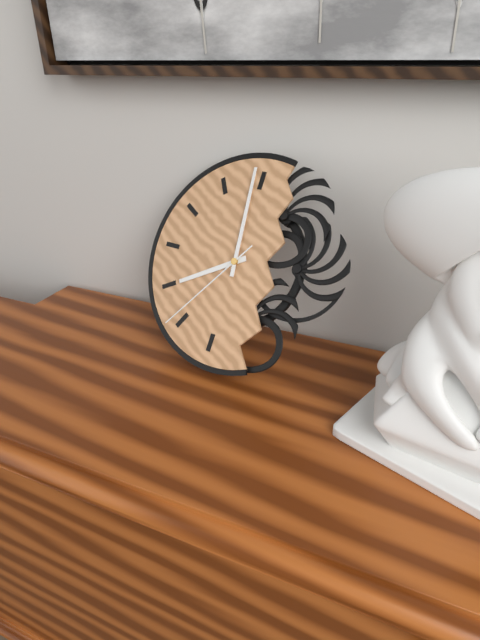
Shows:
7,59,36
